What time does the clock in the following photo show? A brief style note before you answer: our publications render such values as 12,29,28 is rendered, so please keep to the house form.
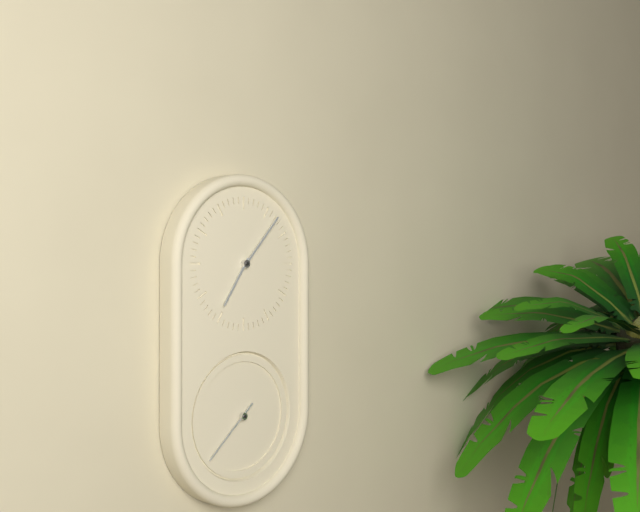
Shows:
7,07,38
